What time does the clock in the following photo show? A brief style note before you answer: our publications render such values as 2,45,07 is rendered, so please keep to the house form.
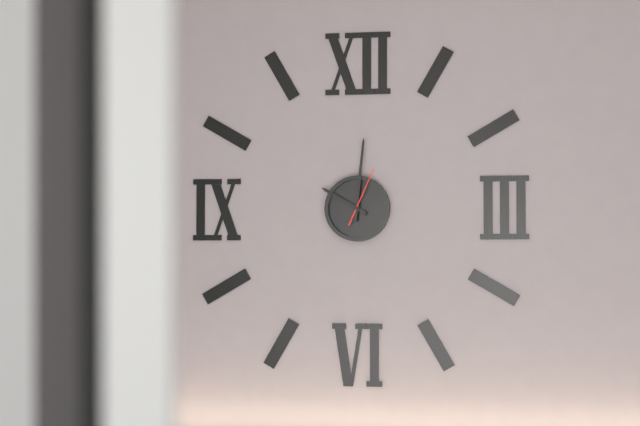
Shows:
10,01,04
